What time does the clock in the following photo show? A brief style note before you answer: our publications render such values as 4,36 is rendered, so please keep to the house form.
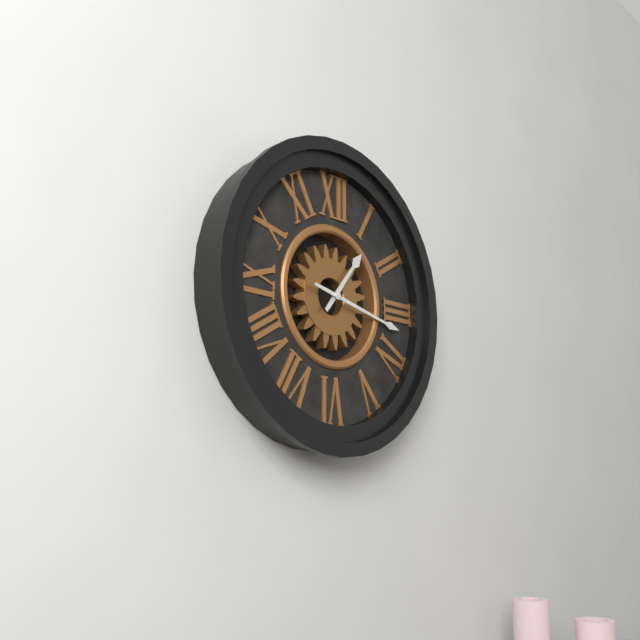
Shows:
1,17
